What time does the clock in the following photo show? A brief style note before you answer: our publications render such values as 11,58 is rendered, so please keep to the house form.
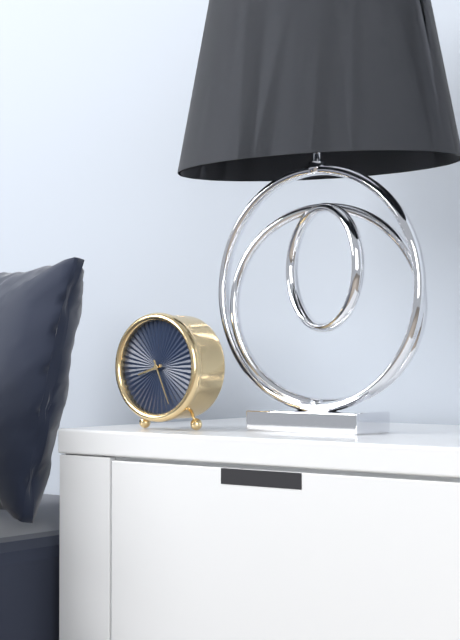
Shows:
8,26
